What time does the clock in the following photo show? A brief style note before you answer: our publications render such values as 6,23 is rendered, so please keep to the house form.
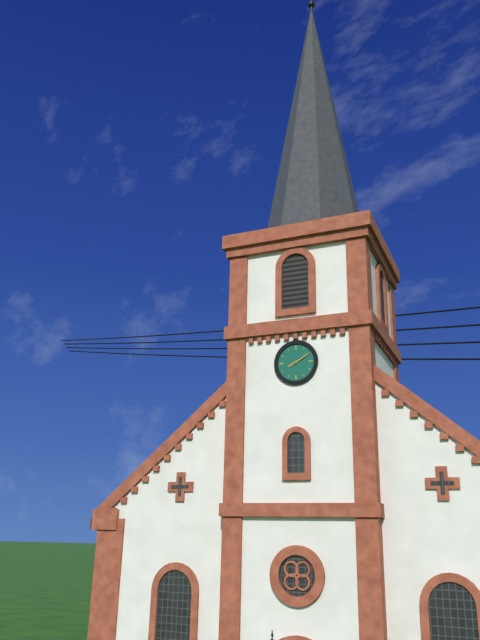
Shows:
8,10
